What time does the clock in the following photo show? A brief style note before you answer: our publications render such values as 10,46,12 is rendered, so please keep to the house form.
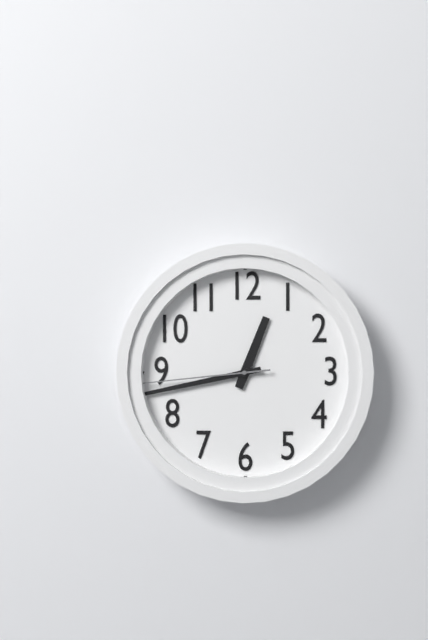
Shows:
12,43,44
